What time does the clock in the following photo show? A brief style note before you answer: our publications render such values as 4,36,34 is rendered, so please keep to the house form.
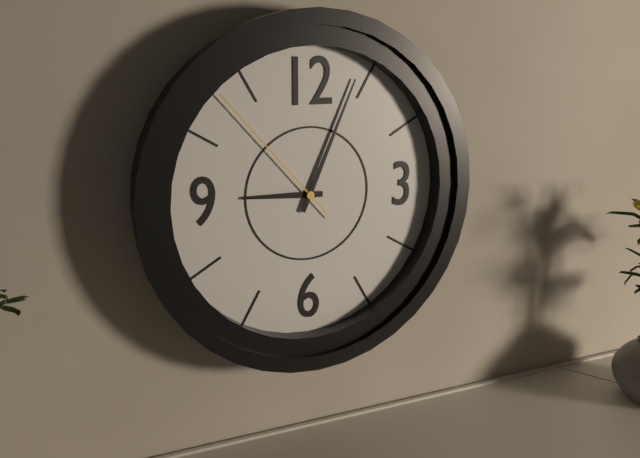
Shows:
9,04,53
